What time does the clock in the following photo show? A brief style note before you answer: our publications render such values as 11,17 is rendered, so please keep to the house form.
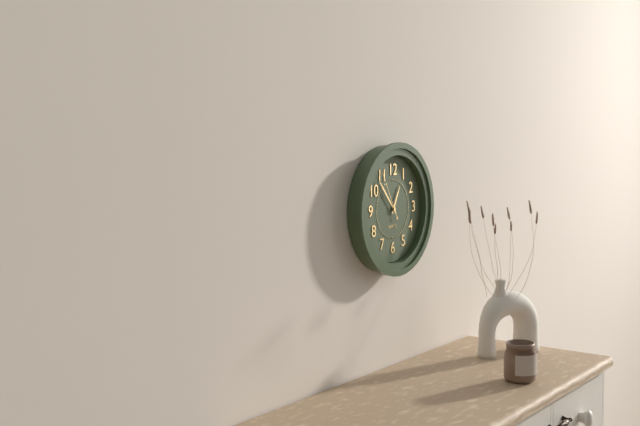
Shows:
12,53
